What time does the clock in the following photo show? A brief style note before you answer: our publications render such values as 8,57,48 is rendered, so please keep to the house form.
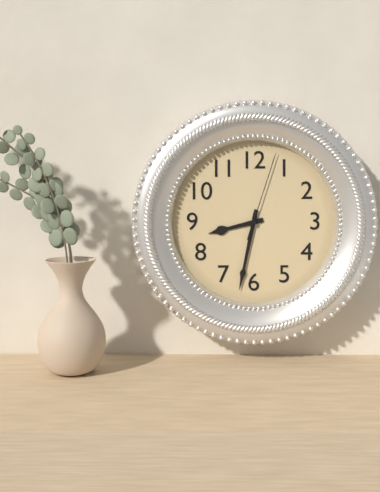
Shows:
8,32,03
